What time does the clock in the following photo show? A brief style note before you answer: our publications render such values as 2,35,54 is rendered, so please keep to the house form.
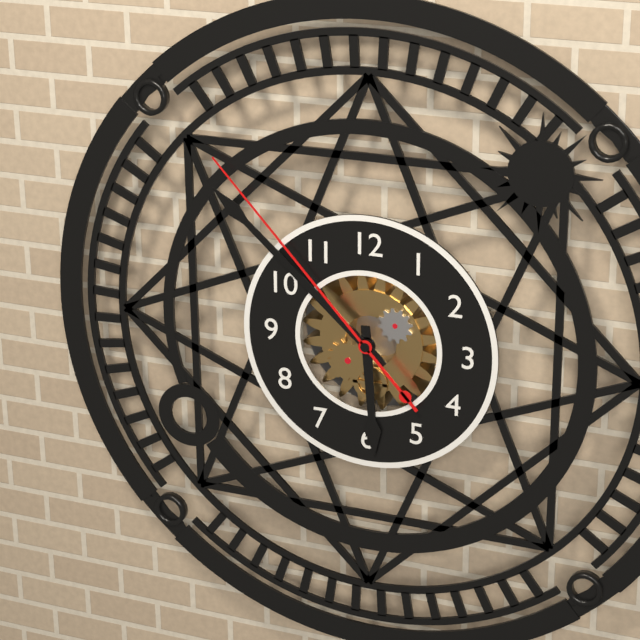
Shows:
5,52,53
